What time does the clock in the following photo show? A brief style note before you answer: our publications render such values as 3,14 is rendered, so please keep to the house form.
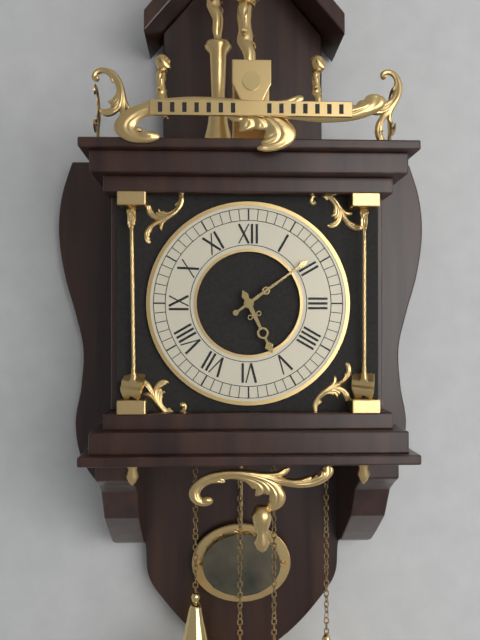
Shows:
5,09
